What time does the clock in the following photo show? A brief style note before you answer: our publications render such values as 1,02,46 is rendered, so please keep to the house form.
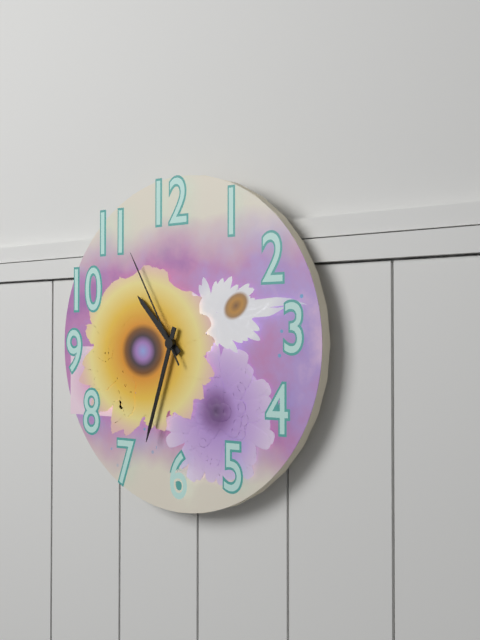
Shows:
10,33,55
